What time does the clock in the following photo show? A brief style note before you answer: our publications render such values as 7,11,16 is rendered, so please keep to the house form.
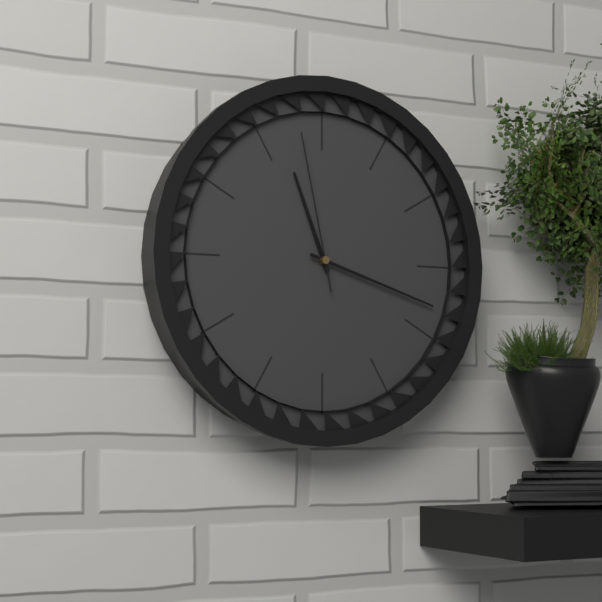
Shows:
11,18,58
